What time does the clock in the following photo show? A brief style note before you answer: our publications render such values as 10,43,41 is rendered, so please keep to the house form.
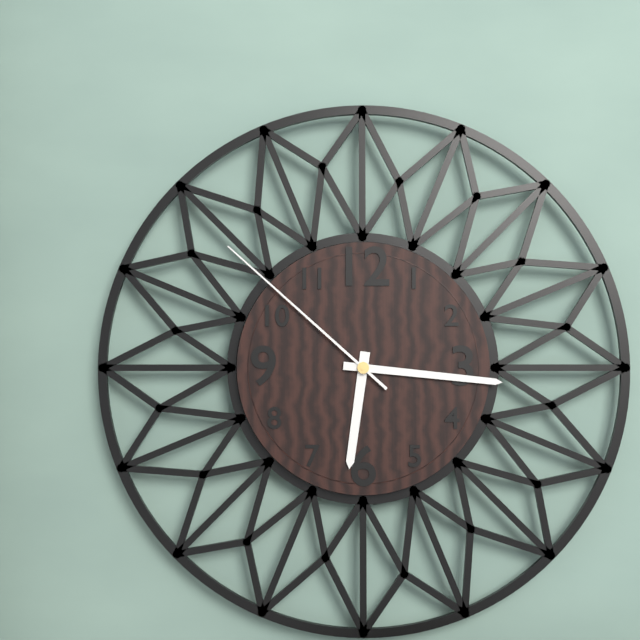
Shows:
6,16,52
